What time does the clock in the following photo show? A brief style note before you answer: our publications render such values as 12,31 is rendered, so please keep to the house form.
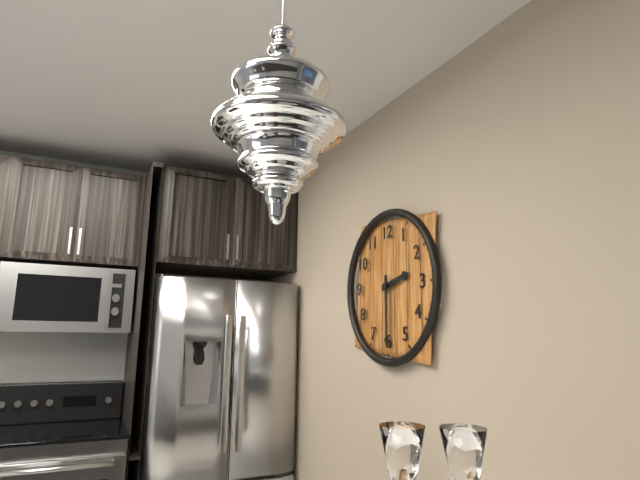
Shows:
2,30
